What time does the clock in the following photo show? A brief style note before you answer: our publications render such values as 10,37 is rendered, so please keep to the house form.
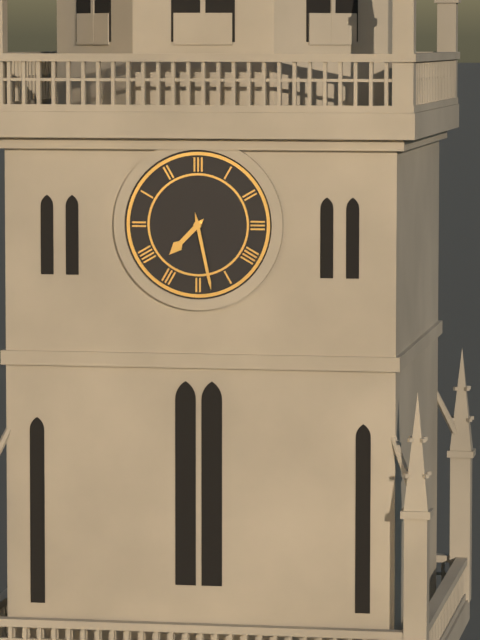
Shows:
7,28
